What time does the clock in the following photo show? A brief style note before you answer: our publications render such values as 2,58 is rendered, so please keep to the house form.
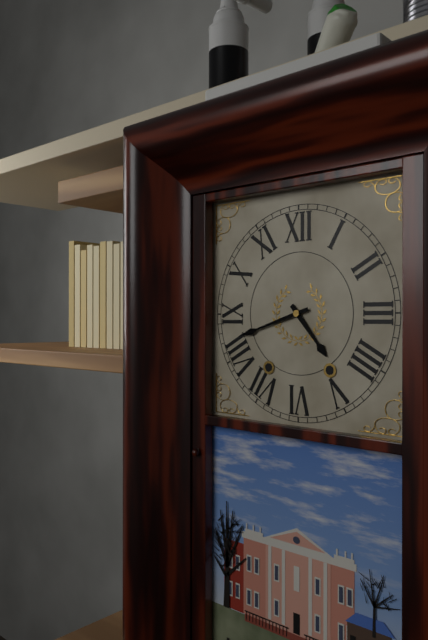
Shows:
4,42
